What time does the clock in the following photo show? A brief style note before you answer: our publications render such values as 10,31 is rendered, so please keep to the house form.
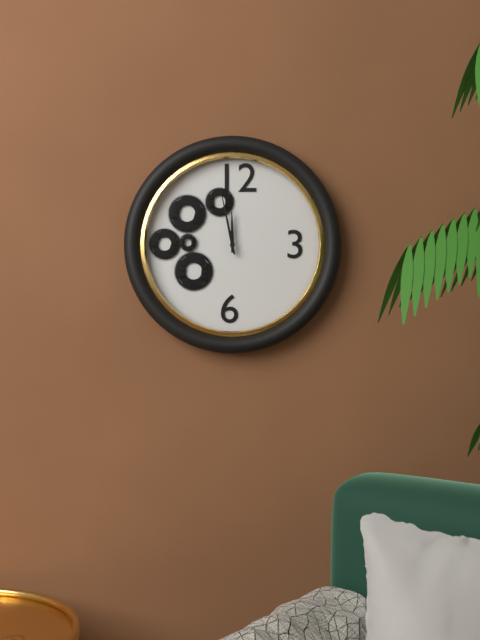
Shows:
11,58
